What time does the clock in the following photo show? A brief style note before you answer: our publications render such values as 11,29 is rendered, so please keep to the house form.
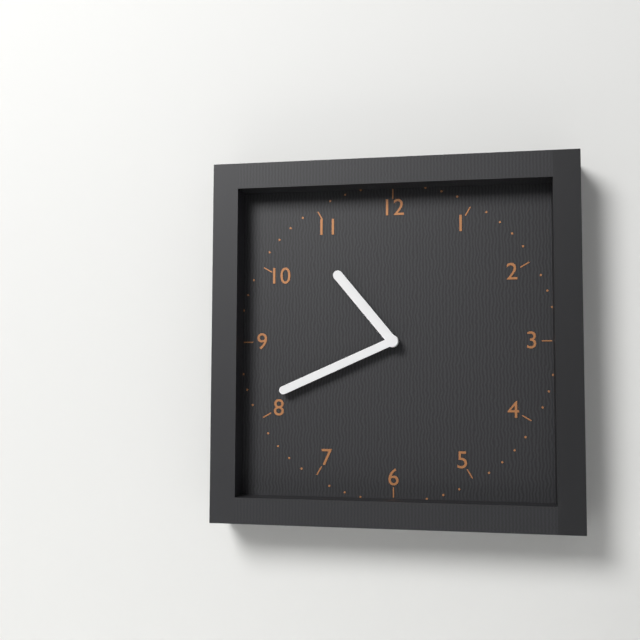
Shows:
10,41
